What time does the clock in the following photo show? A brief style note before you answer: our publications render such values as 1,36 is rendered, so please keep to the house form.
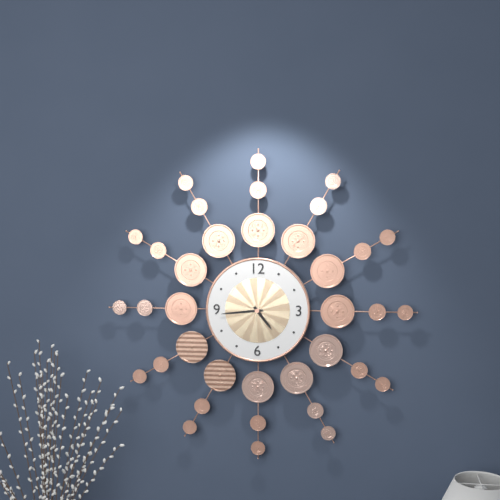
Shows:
4,44
